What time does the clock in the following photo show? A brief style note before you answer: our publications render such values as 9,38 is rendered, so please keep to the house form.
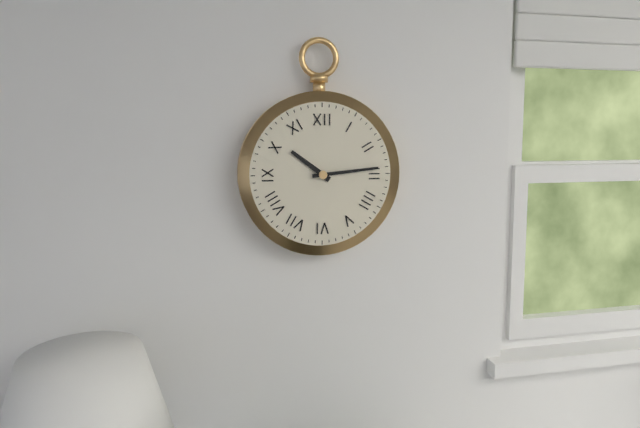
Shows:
10,14
